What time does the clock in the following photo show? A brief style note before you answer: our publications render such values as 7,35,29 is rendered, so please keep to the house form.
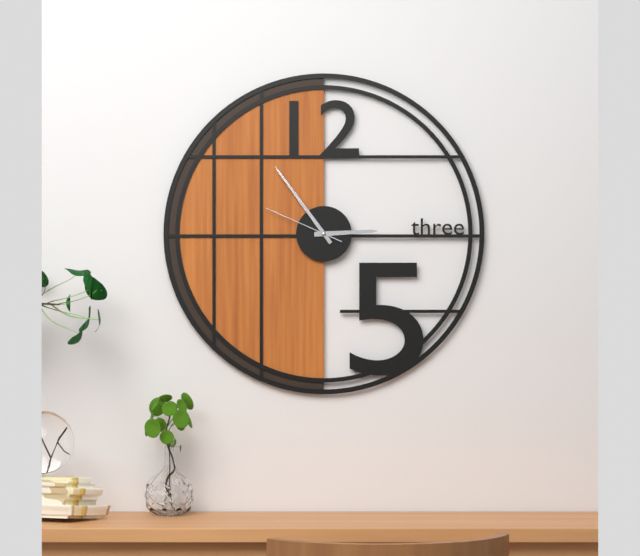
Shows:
2,54,49
